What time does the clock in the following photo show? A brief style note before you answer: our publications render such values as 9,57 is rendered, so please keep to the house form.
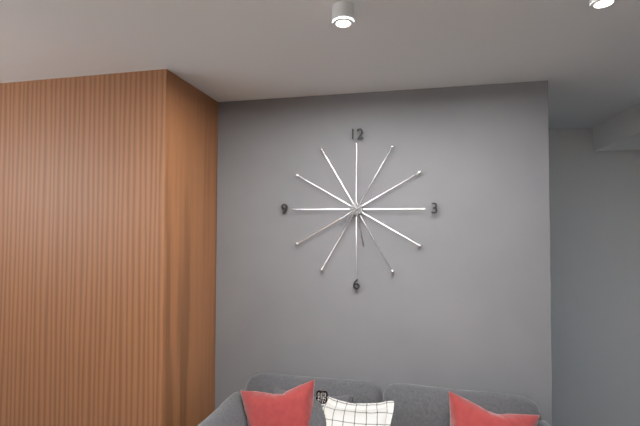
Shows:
7,28
